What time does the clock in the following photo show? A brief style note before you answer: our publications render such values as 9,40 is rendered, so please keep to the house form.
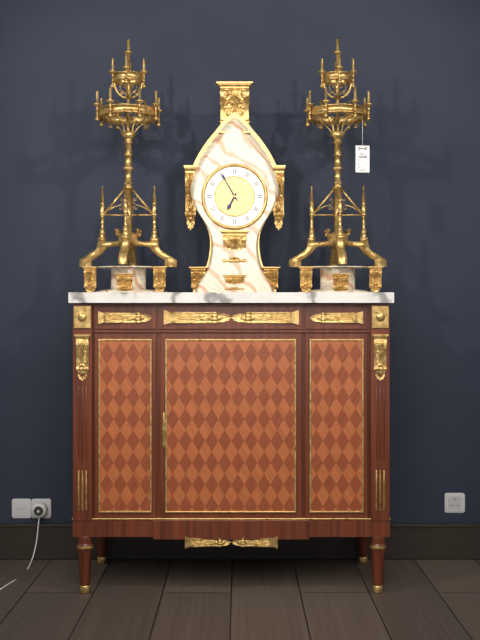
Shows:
6,55
